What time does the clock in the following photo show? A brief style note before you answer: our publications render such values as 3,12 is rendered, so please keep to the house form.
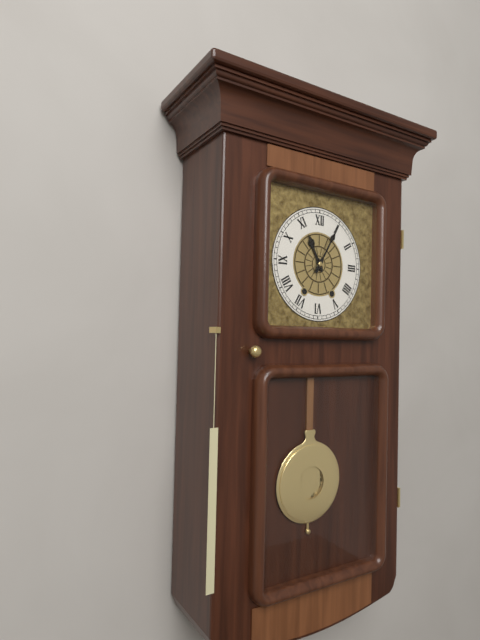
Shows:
11,05
